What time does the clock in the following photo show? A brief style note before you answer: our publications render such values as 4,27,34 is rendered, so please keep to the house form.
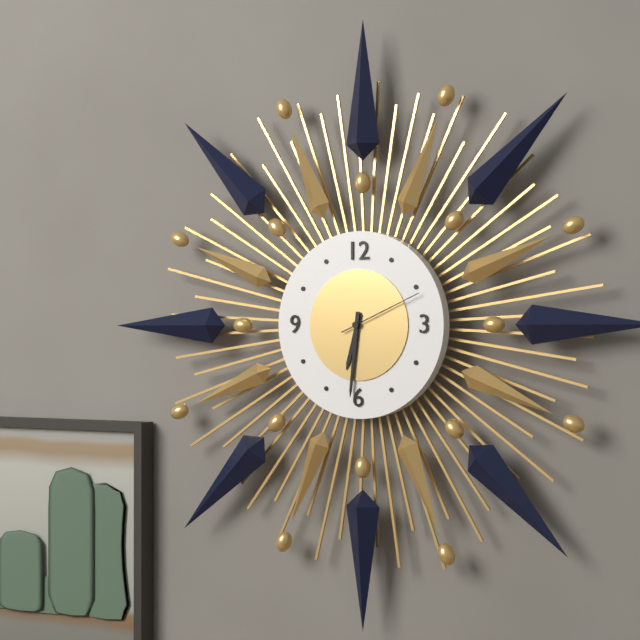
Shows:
6,31,11
